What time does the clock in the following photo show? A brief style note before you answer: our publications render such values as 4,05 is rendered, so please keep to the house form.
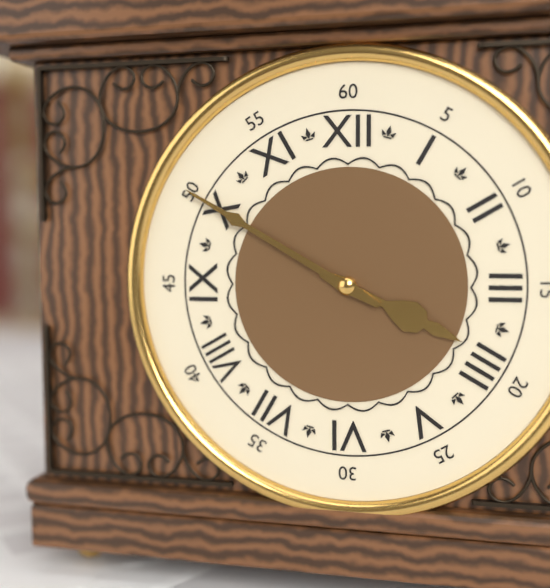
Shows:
3,50
